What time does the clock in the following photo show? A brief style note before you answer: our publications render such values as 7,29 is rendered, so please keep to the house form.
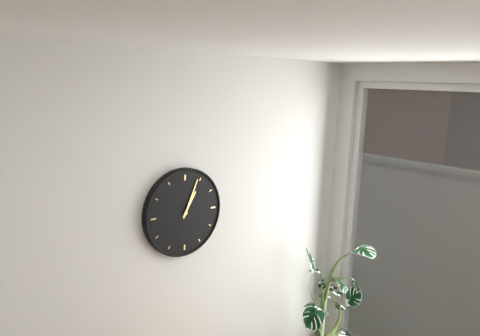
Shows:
1,04
